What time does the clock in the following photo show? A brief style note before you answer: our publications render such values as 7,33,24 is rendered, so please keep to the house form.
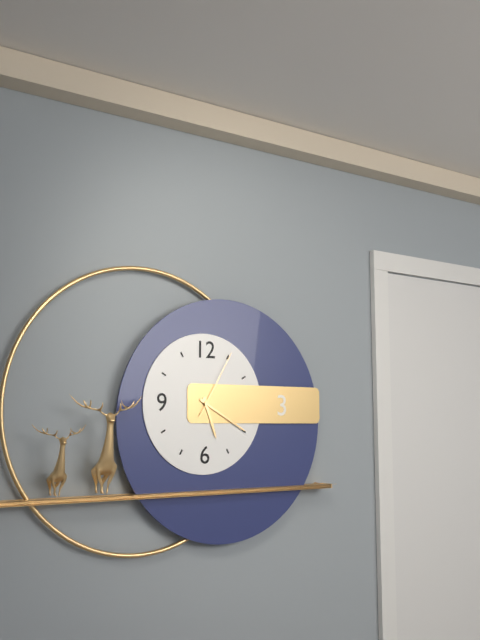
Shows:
5,20,05
